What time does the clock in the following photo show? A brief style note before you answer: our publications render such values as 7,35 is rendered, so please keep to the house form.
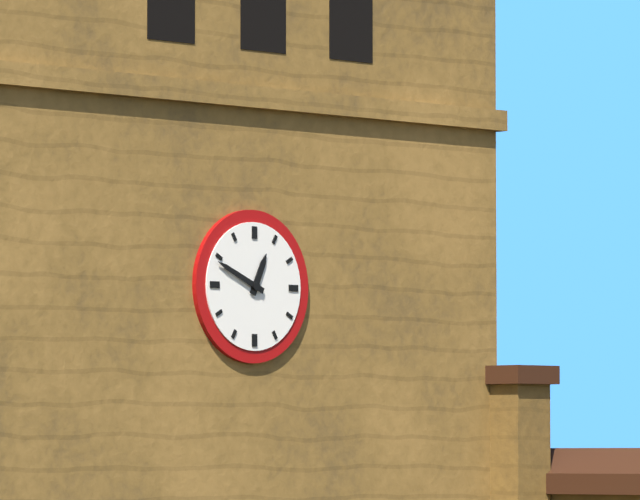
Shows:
12,49
